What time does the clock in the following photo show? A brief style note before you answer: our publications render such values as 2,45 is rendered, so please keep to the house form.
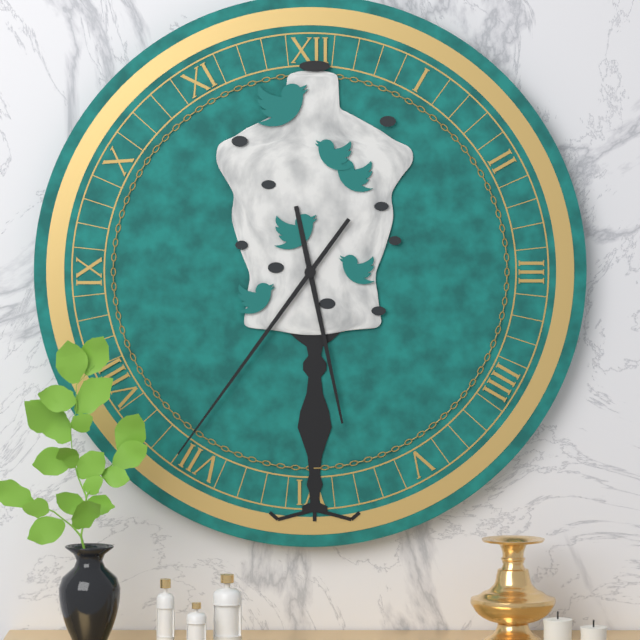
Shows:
5,36
